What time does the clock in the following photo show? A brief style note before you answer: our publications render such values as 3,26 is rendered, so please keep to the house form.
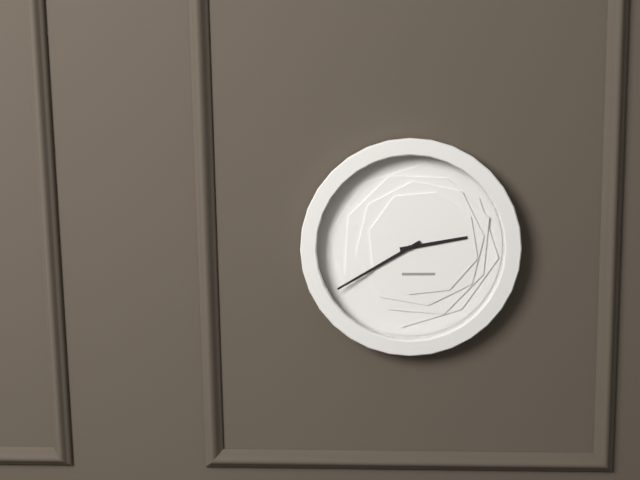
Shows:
2,40
